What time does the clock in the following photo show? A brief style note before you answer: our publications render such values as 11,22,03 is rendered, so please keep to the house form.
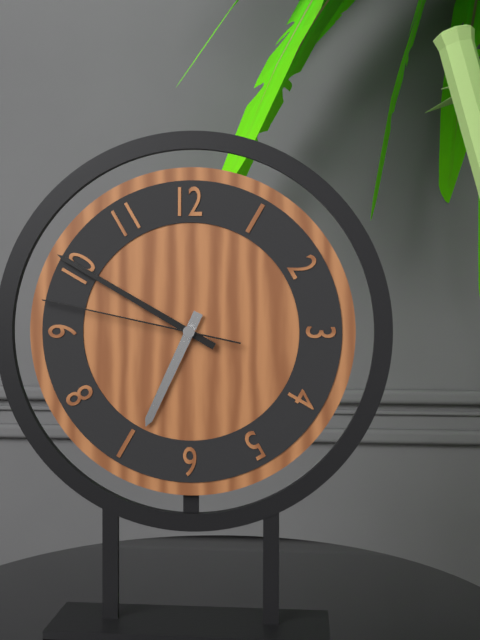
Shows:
6,50,47
